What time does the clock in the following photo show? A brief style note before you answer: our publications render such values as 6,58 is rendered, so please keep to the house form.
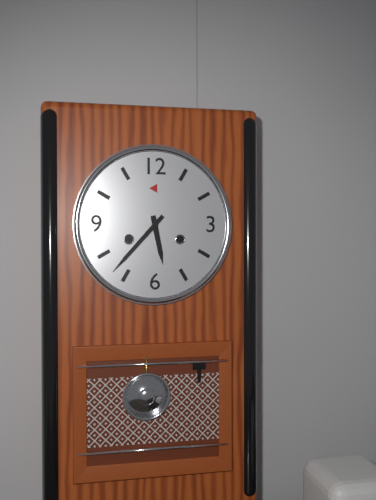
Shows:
5,37
